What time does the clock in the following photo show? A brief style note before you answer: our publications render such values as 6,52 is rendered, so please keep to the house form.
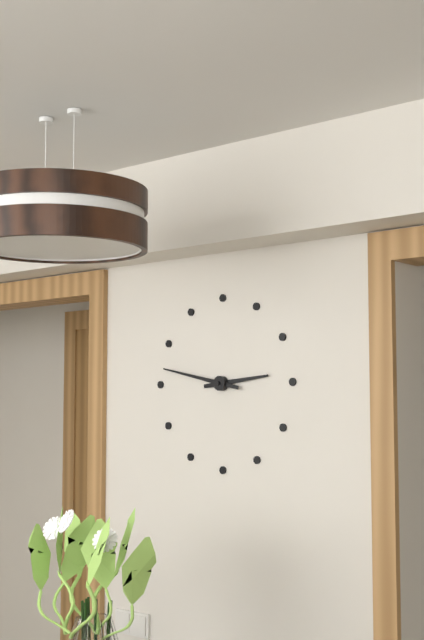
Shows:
2,47
